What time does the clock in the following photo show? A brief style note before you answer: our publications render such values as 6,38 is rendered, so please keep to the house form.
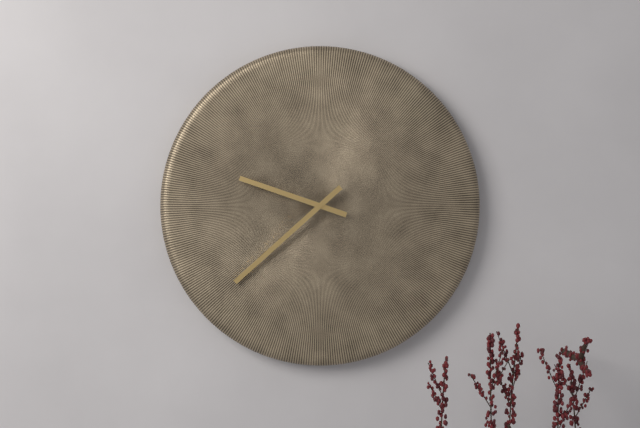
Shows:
9,38
